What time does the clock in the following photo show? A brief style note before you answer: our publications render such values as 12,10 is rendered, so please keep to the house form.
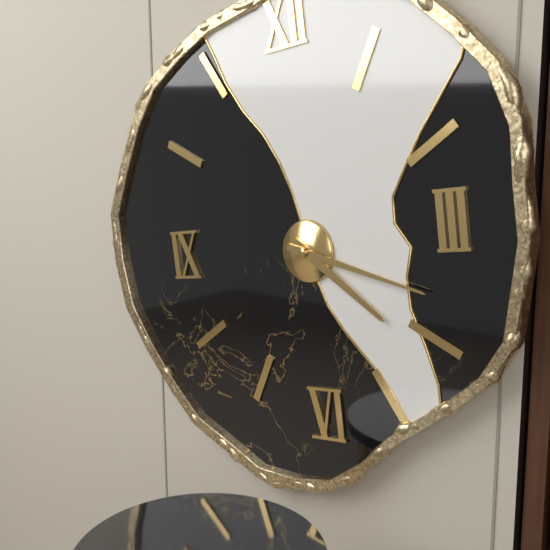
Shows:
4,18
